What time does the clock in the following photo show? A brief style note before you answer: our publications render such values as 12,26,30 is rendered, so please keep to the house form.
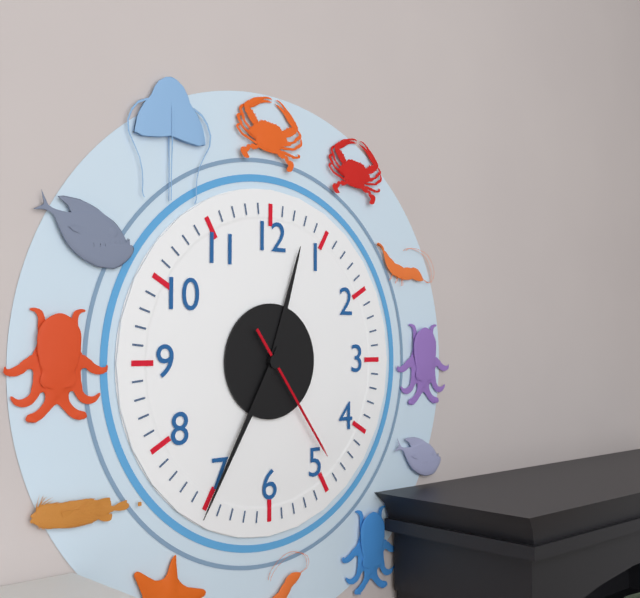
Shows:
12,35,24
